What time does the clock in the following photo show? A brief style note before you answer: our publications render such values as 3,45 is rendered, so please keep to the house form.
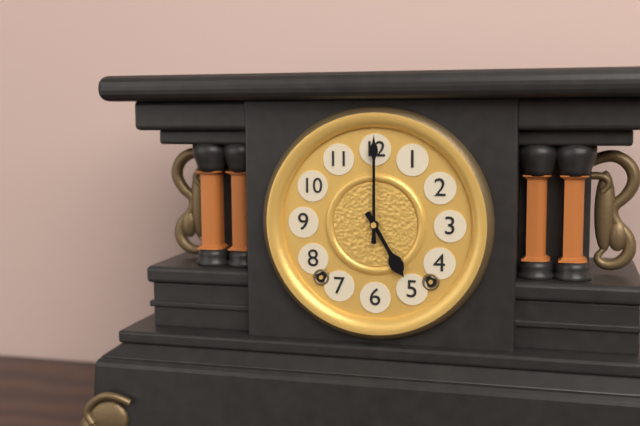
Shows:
5,00
